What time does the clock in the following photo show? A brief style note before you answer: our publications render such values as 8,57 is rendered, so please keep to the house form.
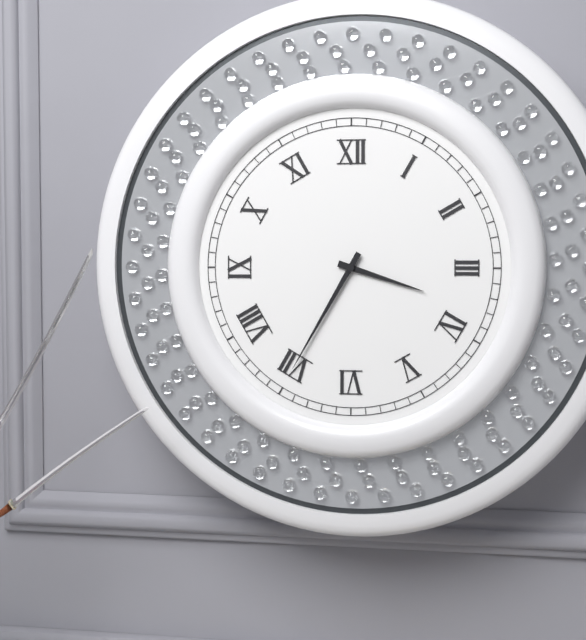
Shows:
3,35
